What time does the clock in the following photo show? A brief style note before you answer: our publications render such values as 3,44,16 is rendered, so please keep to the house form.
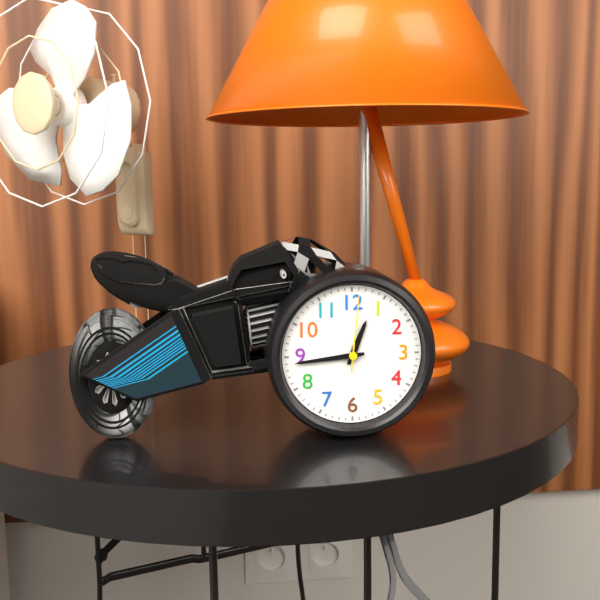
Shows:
12,44,01
